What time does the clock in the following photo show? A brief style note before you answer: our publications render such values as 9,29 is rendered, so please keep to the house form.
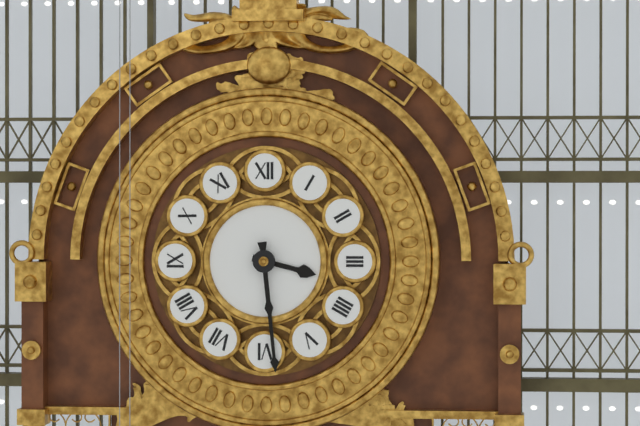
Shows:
3,29
